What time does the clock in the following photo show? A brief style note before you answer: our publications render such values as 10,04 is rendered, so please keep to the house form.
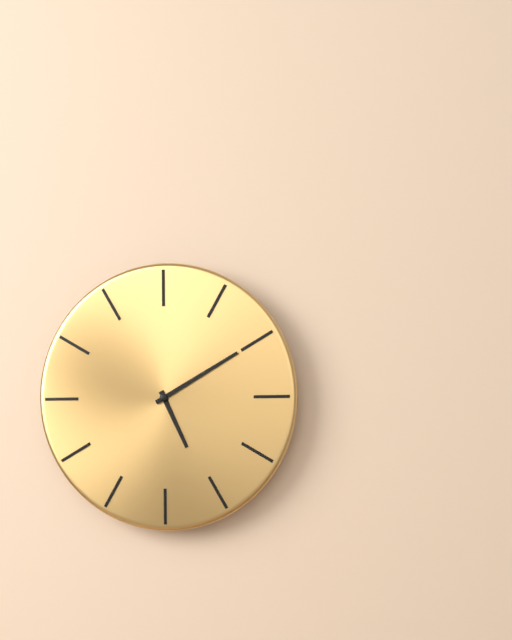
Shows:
5,10
